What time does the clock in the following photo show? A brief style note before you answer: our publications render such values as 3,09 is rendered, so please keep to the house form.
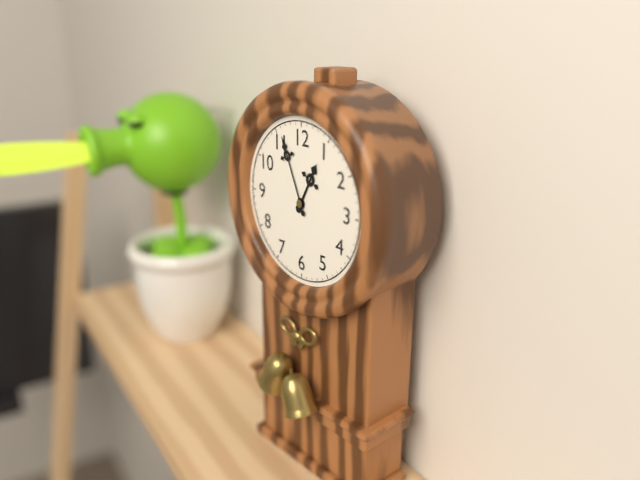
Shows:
12,56
